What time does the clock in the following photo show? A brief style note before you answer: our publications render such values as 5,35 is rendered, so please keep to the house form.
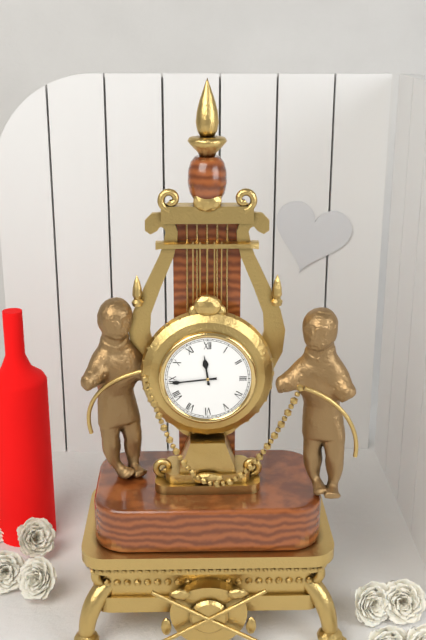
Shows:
11,44
